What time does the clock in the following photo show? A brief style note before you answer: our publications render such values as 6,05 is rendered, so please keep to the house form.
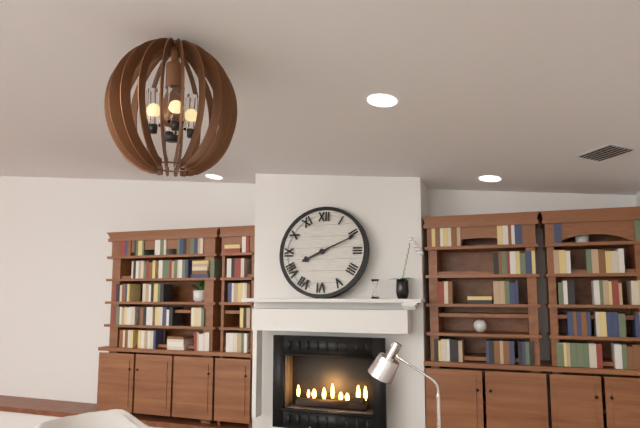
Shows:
8,11
